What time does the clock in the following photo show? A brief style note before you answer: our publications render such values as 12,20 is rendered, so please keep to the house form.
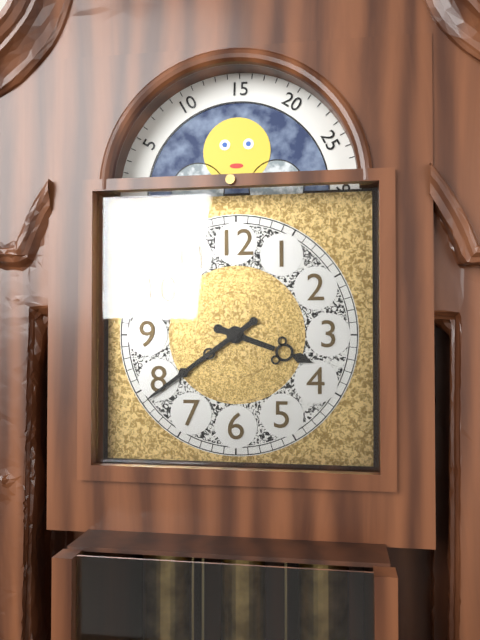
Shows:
3,39
